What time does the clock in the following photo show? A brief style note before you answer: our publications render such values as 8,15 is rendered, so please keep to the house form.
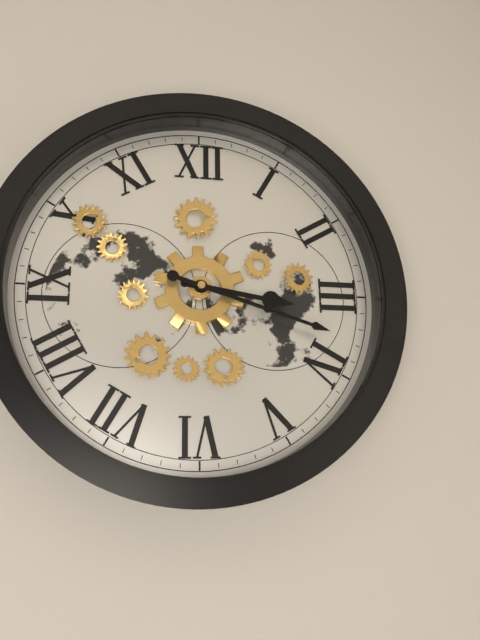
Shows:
3,18
